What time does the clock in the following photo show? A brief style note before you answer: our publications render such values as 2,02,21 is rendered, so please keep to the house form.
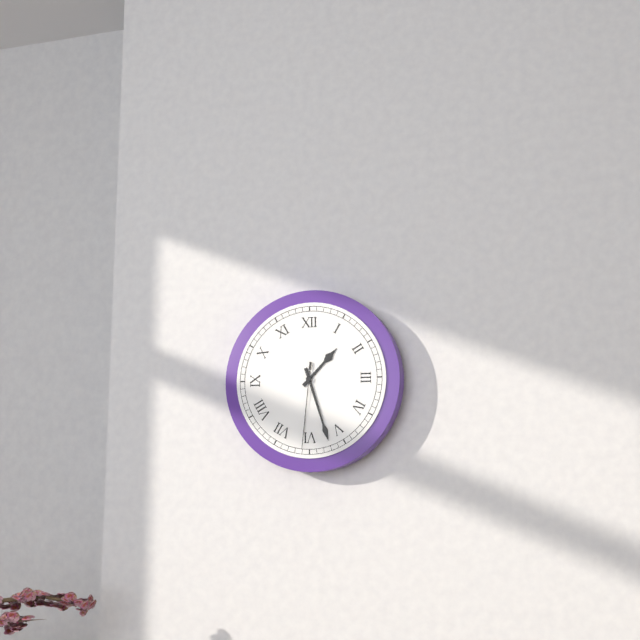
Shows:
1,27,31
